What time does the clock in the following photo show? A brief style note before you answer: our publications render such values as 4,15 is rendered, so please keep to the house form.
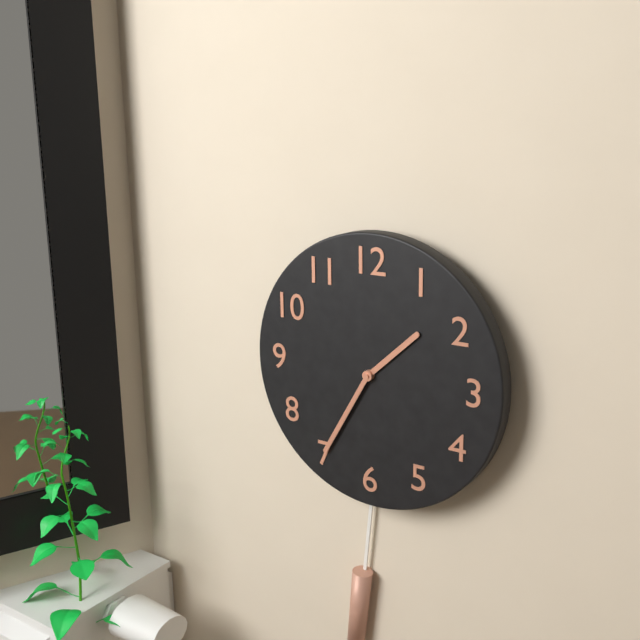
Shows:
1,35
